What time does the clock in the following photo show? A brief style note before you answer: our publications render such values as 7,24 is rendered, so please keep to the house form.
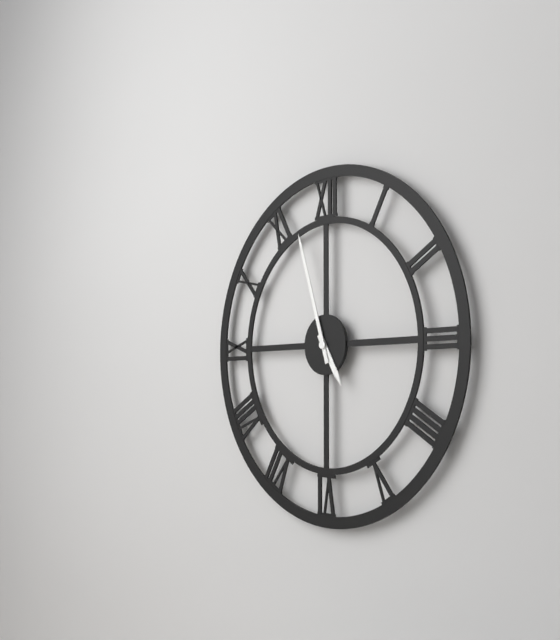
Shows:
4,57
